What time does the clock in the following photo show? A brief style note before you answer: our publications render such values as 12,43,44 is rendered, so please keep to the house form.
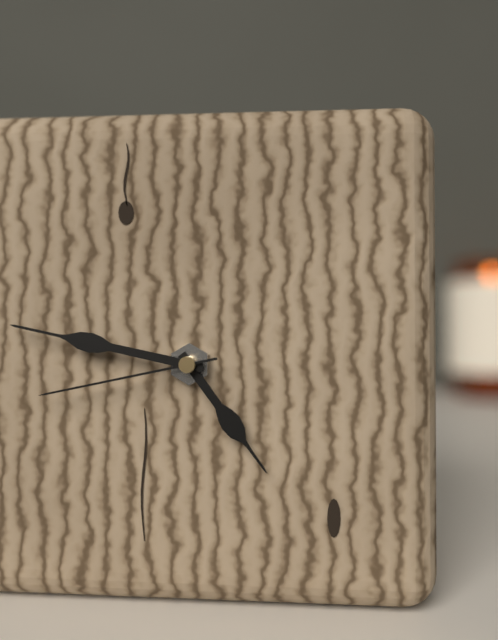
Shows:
4,47,43
